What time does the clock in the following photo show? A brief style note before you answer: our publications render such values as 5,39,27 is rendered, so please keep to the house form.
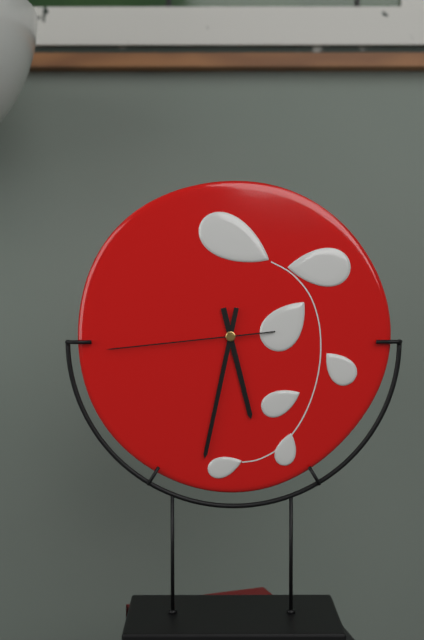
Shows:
5,32,44
